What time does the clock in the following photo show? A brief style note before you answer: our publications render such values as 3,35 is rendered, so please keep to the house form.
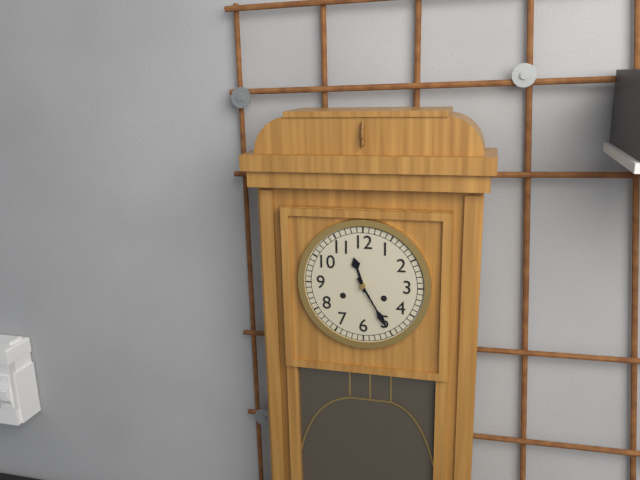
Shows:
11,25
